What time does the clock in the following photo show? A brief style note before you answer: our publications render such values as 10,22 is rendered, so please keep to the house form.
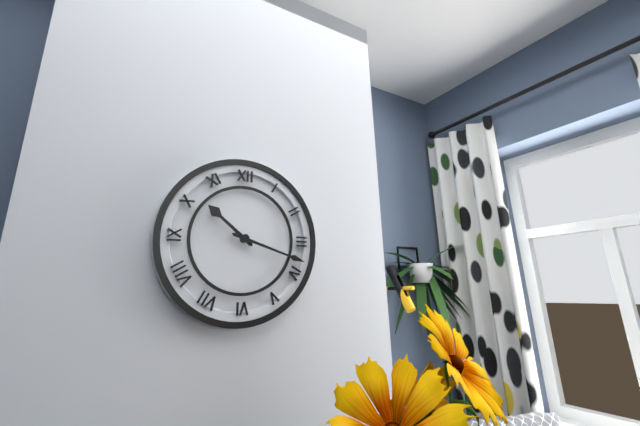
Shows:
10,18
